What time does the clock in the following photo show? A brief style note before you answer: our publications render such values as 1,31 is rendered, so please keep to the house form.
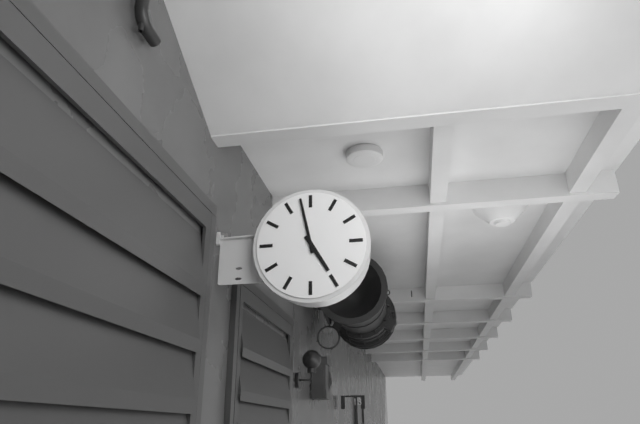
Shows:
4,58
